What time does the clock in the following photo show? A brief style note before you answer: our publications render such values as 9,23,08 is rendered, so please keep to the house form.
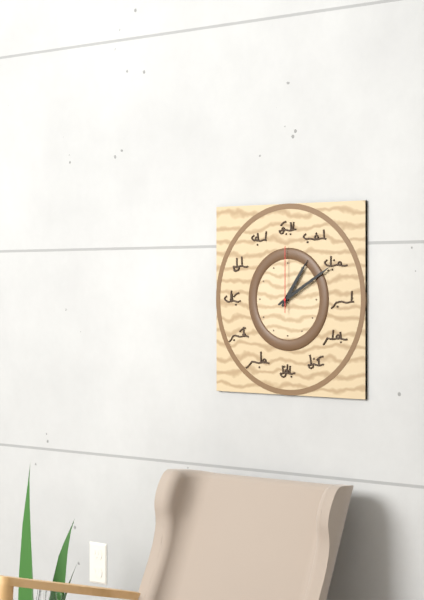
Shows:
1,10,00
